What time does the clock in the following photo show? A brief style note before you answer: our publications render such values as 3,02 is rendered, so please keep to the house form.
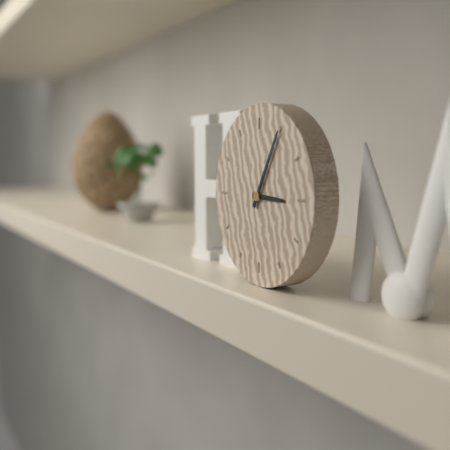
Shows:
3,05
